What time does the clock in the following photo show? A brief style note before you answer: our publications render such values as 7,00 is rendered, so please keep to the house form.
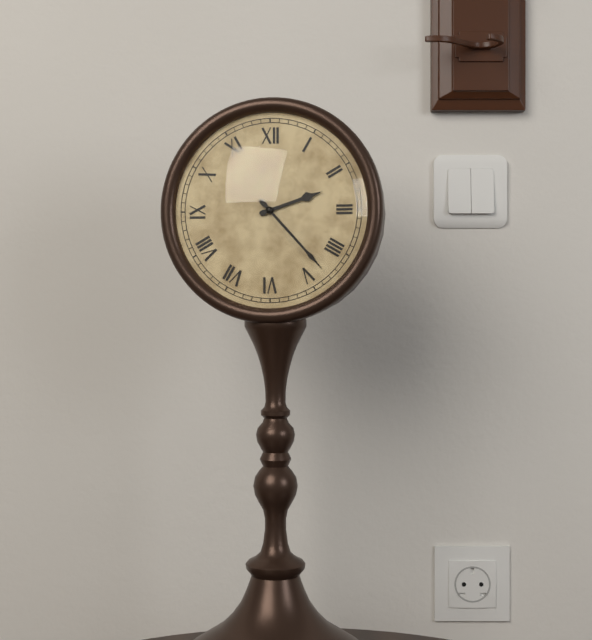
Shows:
2,23
